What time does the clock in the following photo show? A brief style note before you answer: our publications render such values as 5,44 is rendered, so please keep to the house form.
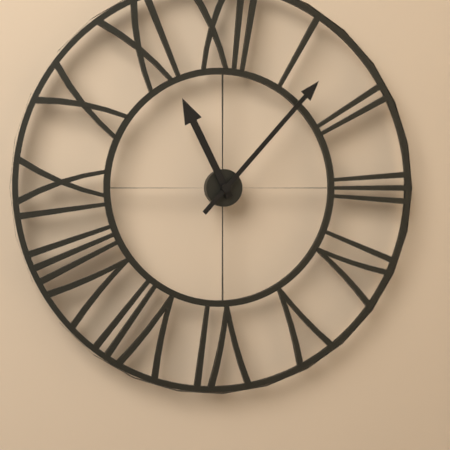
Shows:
11,07
